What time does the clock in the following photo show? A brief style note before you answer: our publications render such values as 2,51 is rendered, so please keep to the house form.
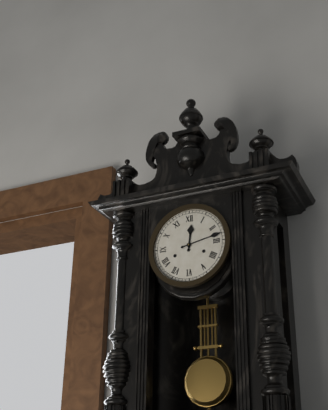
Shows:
12,13
